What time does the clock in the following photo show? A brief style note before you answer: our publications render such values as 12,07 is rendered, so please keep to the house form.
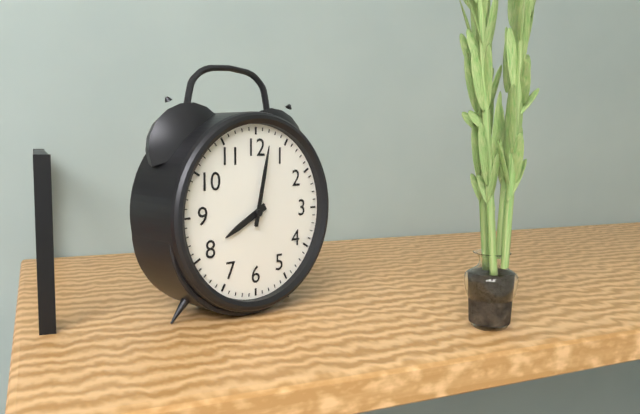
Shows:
8,02
